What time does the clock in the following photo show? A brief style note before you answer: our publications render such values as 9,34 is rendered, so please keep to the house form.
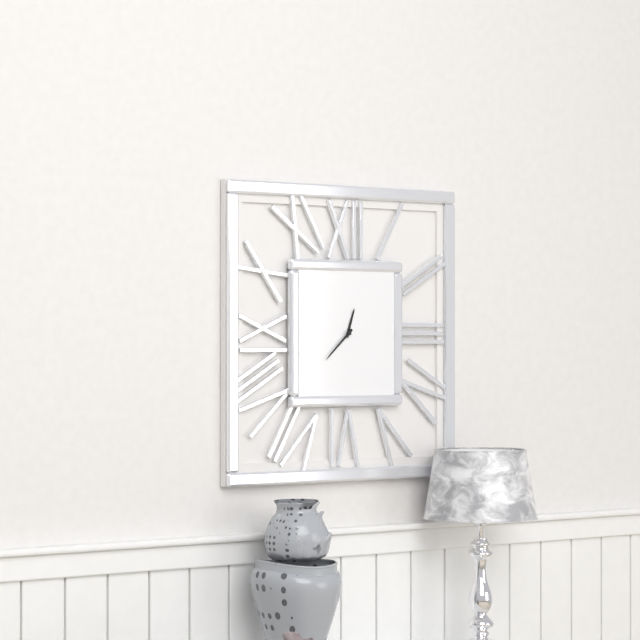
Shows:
12,38
